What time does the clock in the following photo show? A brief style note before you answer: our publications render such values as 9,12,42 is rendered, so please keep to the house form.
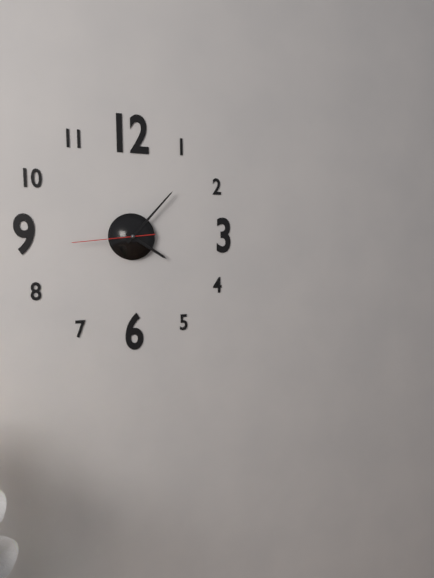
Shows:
4,07,44
